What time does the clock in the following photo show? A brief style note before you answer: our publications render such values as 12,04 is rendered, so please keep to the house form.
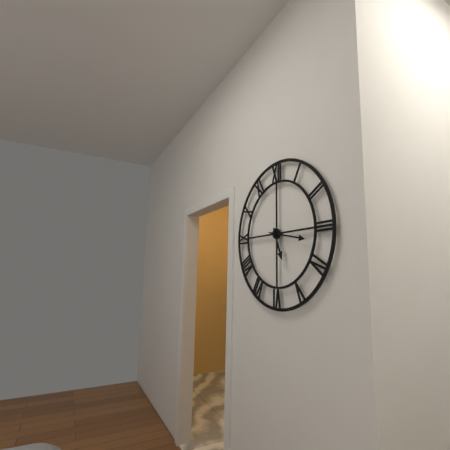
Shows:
5,17
